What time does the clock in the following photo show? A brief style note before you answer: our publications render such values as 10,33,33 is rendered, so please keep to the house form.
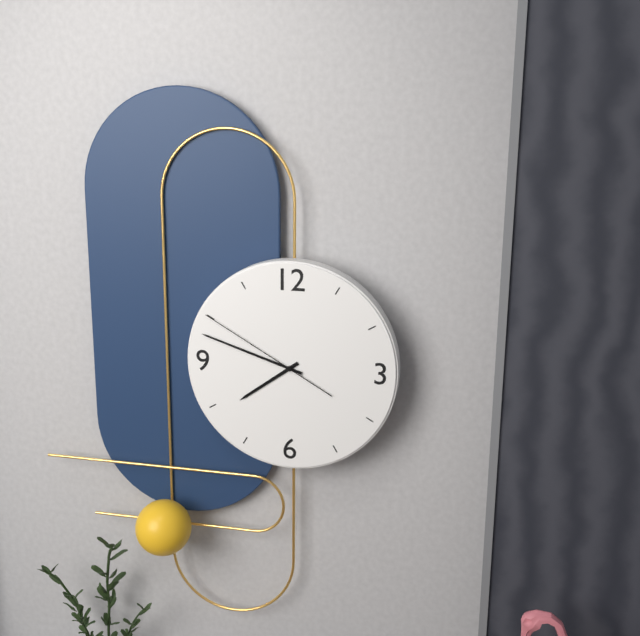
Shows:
7,48,50
